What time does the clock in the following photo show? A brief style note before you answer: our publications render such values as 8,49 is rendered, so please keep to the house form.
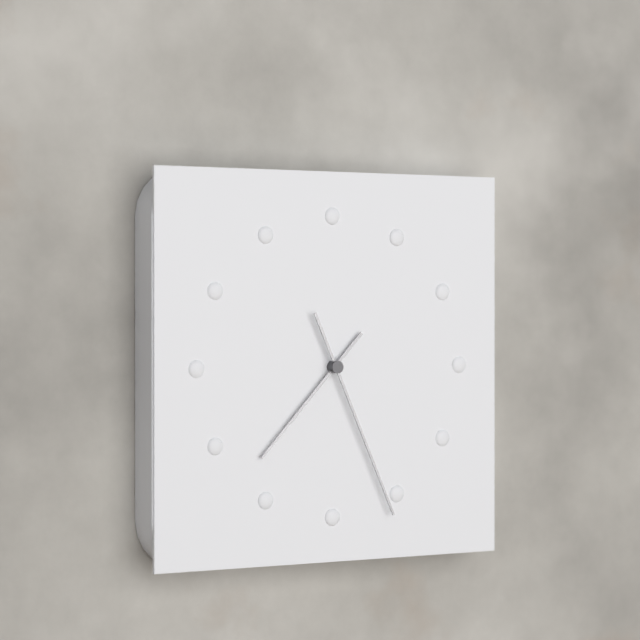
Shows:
7,26
